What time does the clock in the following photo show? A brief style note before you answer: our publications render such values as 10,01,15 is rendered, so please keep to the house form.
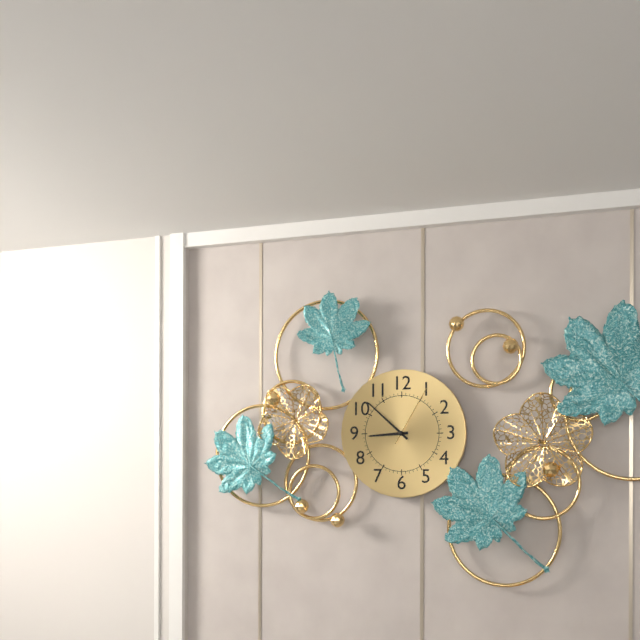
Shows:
8,52,05
